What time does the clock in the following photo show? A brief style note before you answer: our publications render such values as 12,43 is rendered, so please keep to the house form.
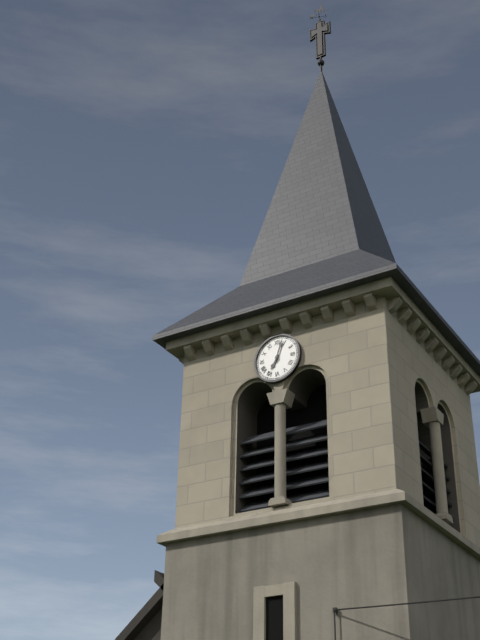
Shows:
7,03
